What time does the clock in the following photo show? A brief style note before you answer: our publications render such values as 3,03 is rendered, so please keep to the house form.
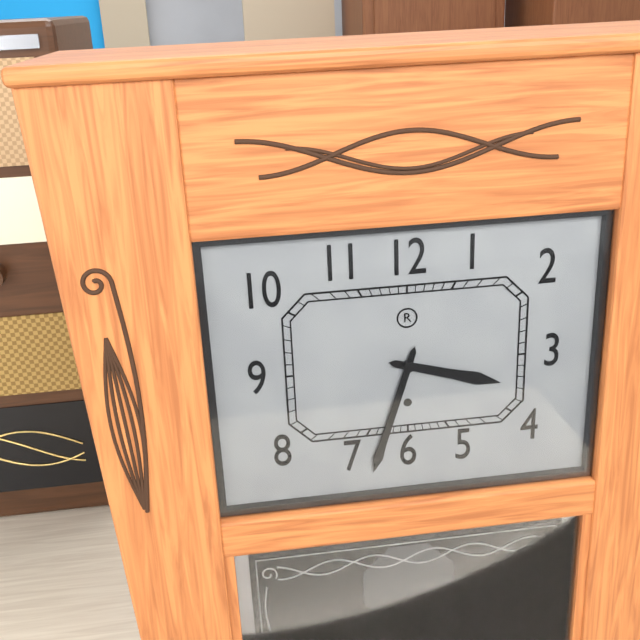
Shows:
3,33
